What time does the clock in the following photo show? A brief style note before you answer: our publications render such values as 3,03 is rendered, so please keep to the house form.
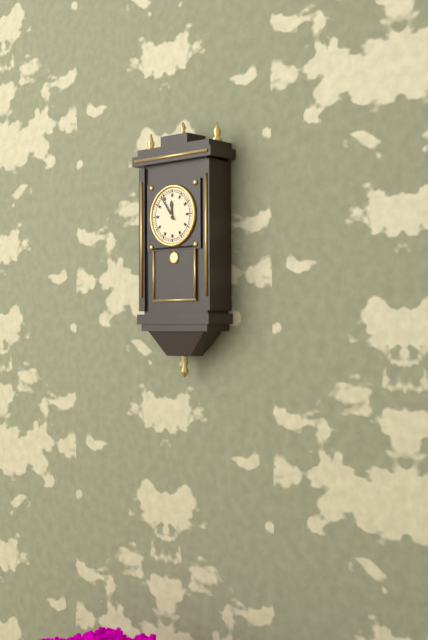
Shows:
11,54
